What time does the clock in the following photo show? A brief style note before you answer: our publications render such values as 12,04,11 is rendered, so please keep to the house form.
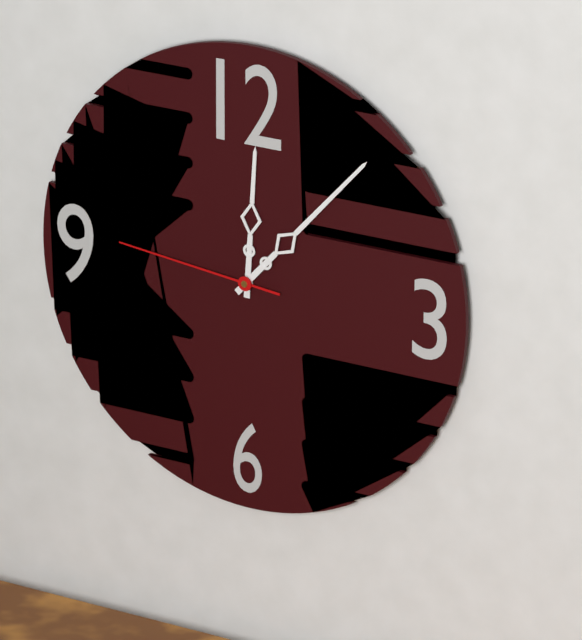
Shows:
12,07,46
